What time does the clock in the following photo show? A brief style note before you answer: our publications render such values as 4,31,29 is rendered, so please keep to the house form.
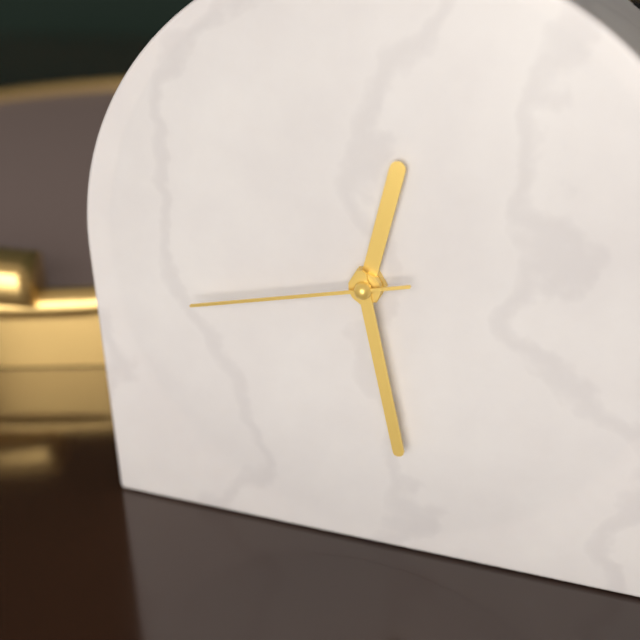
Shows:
12,28,43
